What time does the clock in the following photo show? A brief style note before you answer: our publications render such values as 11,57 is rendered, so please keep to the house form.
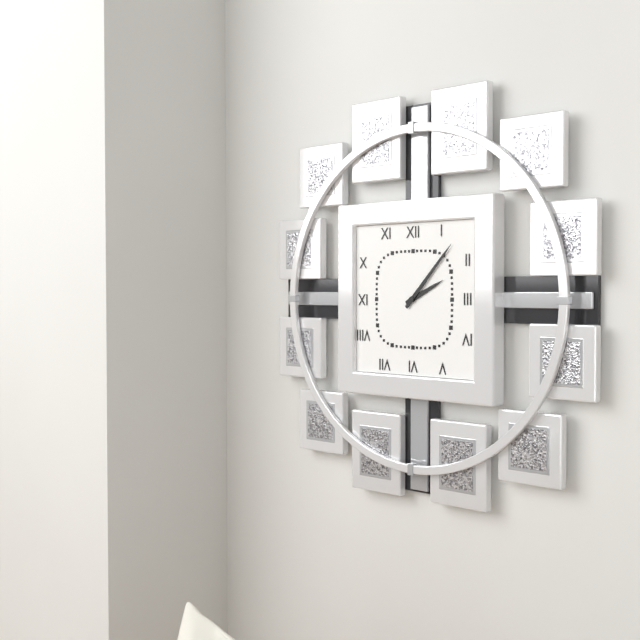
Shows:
2,07
